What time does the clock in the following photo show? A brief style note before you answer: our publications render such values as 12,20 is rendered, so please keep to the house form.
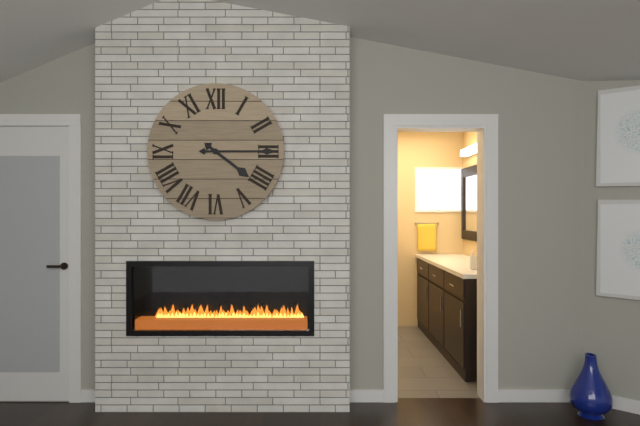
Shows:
4,15
